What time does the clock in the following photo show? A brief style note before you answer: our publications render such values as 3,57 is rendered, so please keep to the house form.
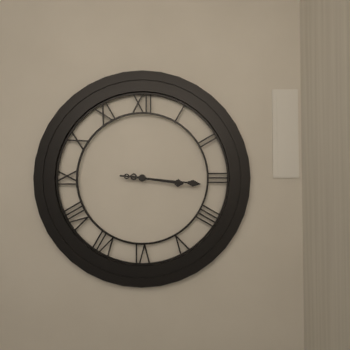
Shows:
3,16
